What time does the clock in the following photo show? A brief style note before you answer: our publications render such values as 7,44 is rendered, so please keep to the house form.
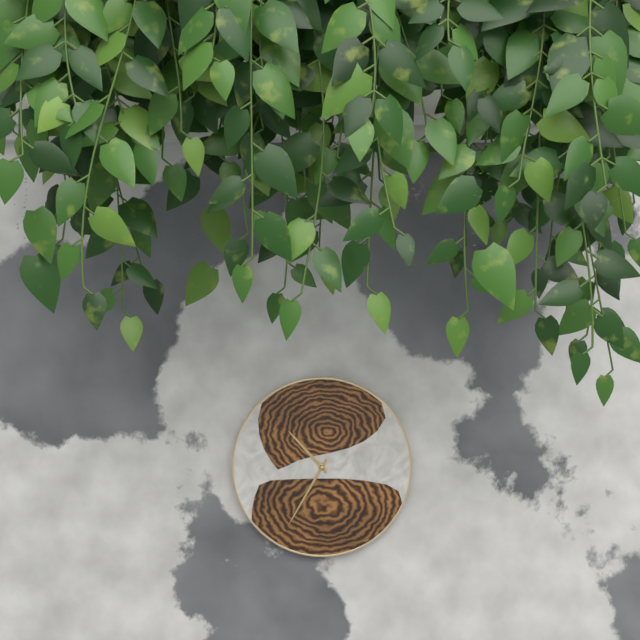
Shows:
10,35
